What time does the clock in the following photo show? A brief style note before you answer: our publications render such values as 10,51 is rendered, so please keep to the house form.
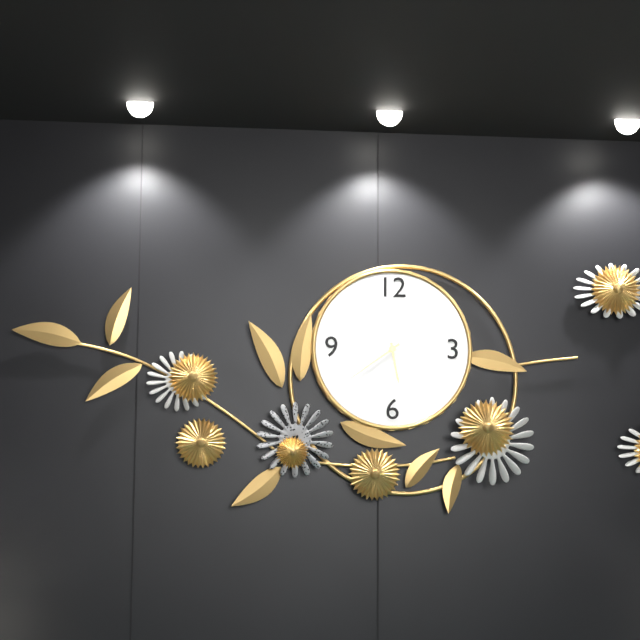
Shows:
5,39
